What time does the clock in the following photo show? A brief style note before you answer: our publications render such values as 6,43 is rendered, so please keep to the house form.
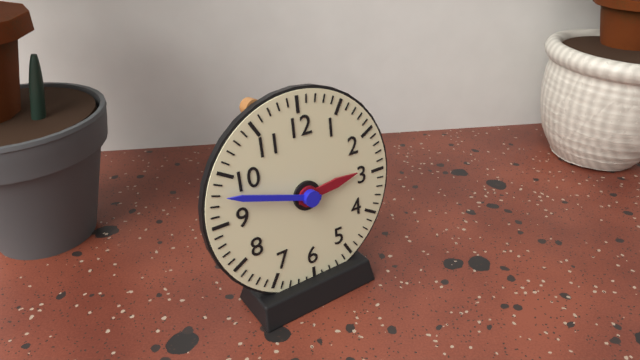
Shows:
2,48
